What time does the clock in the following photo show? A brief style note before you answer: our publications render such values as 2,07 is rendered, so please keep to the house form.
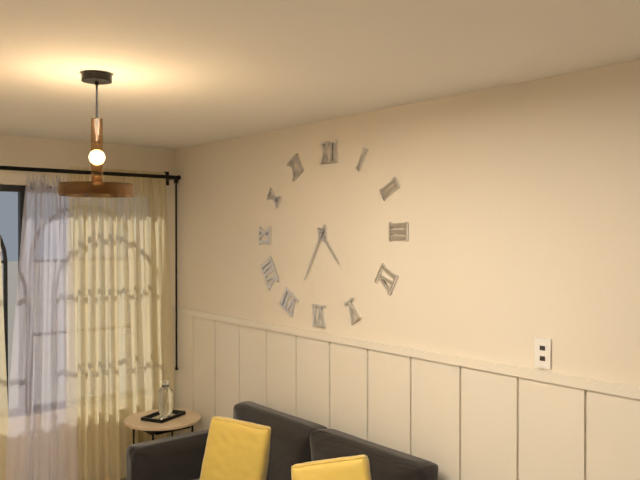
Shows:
4,35
